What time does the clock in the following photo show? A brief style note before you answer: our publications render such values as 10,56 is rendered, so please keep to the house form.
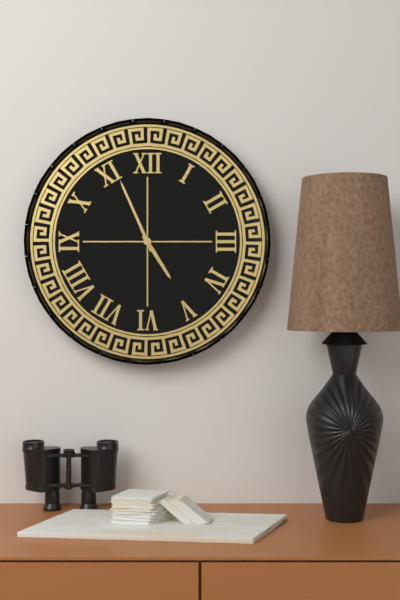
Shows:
4,56
